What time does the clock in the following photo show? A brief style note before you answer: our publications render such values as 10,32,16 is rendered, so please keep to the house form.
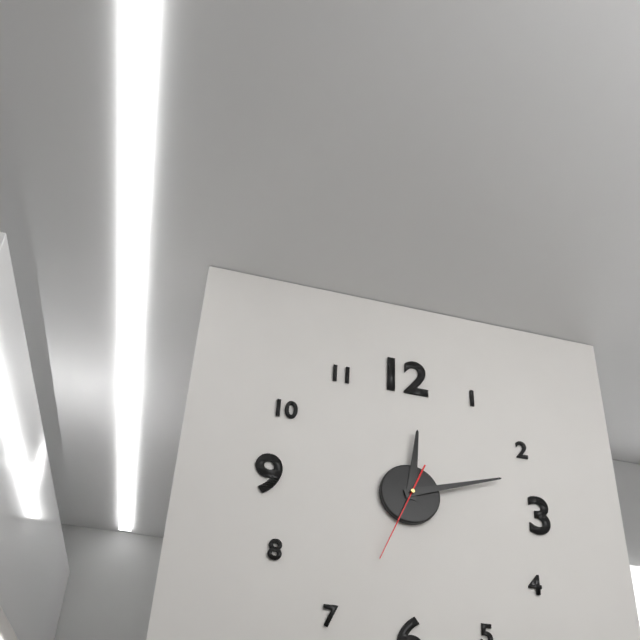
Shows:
12,12,34
